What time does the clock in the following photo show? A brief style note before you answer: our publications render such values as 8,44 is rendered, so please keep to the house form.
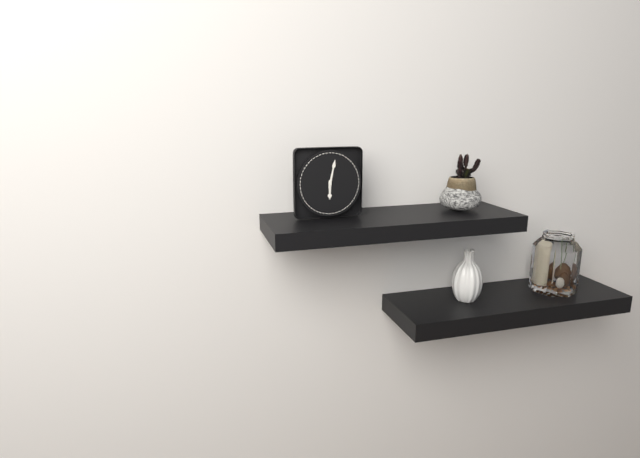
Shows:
6,02
